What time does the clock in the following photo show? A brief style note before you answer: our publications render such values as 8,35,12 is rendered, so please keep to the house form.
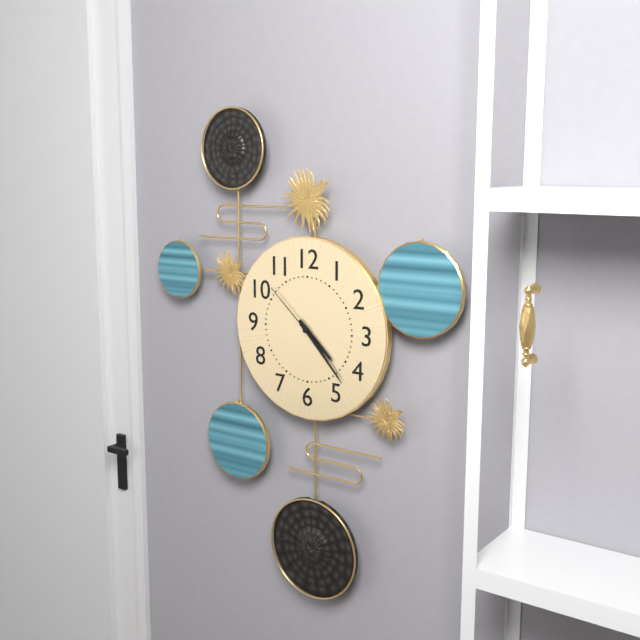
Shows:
4,23,52
